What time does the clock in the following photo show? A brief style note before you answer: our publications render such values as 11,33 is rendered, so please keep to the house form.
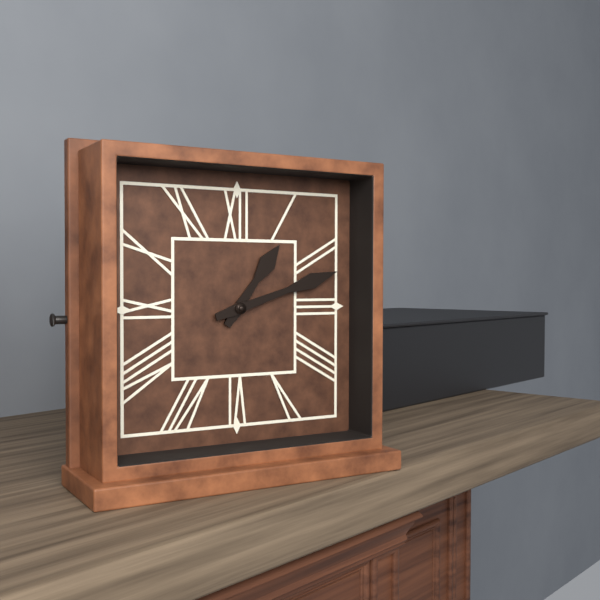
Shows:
1,12
